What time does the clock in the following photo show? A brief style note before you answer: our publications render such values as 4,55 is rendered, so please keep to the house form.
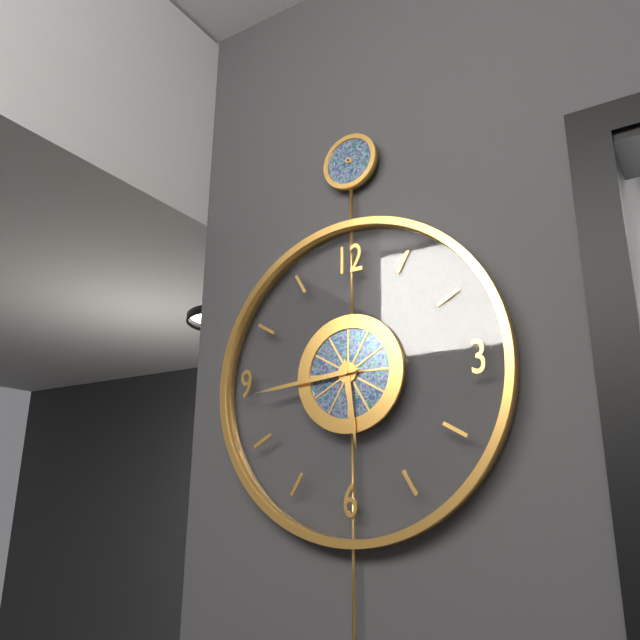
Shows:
5,44
